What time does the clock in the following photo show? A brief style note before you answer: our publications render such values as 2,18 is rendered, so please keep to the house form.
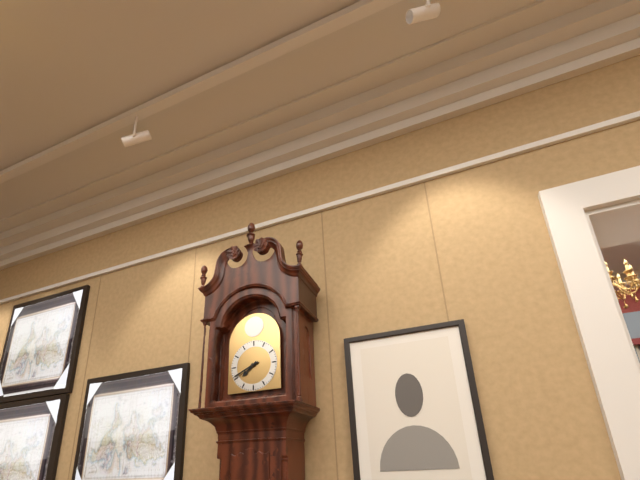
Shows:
7,41
